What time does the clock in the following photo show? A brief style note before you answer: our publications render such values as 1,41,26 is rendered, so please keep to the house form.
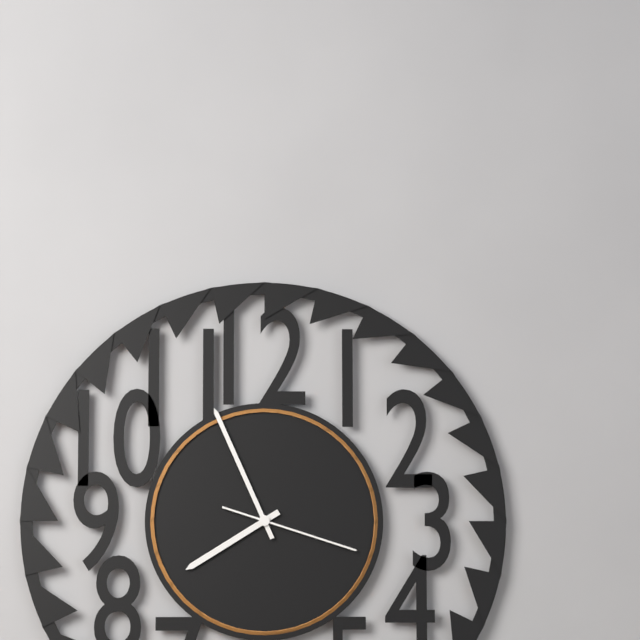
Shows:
7,56,18
